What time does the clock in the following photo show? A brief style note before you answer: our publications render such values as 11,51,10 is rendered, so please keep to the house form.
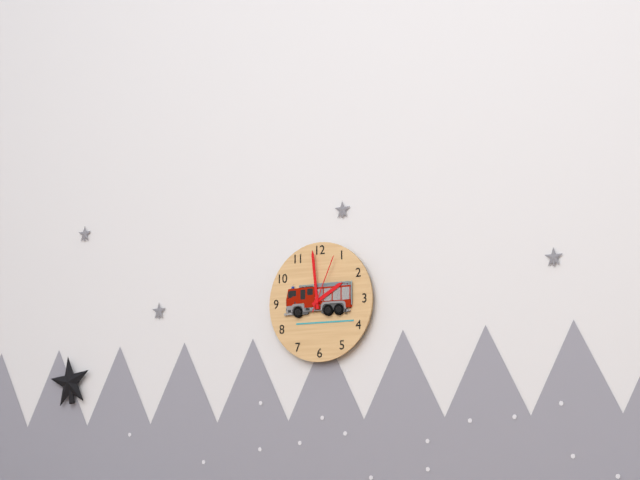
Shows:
1,59,04
